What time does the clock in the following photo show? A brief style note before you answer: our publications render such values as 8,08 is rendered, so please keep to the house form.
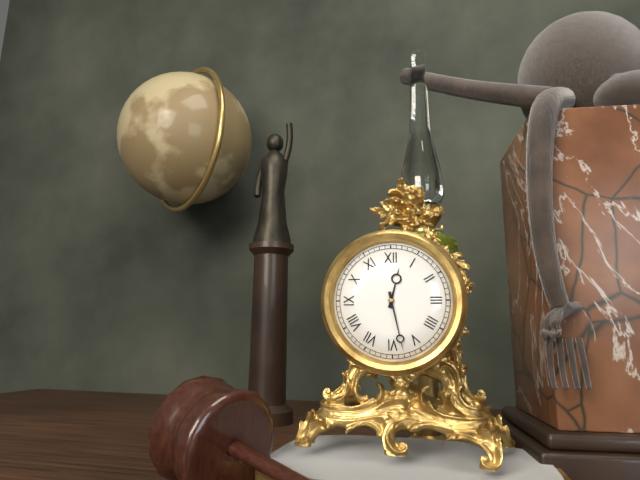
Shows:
12,28
